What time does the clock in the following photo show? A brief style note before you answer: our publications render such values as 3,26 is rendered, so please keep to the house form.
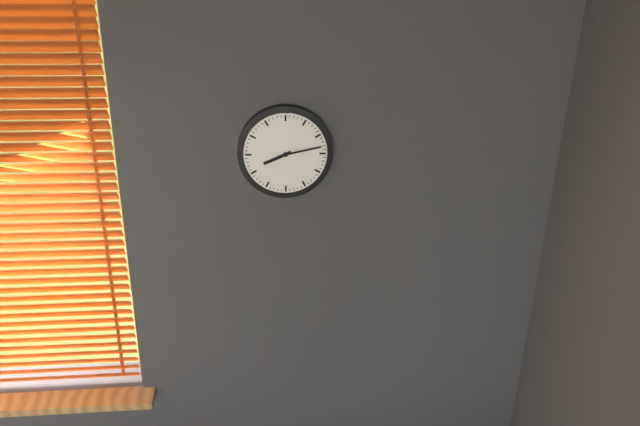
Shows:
8,13
